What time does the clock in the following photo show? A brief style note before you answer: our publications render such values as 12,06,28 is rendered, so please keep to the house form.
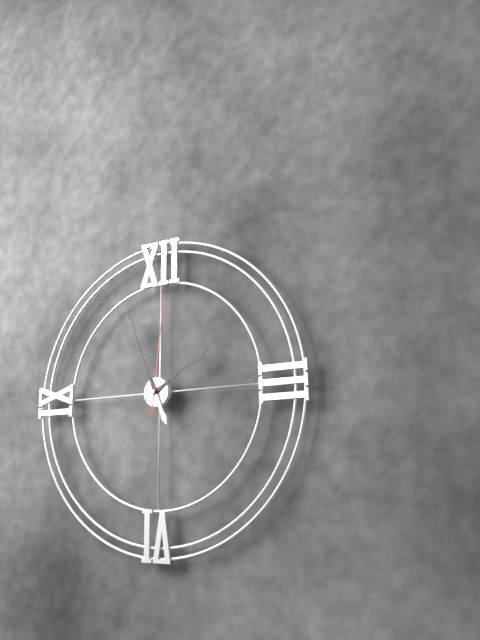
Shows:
1,56,01
